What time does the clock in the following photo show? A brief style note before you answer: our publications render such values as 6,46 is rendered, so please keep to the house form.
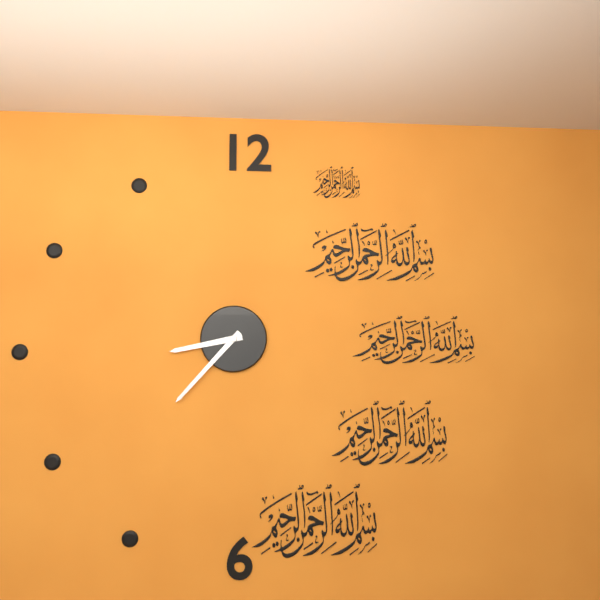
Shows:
8,37
